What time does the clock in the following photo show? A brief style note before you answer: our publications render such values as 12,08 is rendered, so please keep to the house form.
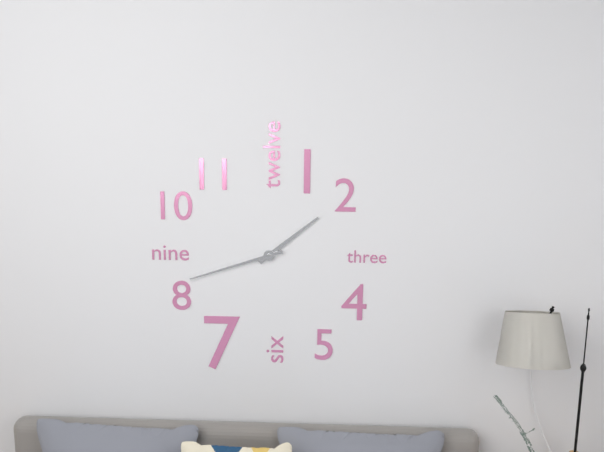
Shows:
1,42
